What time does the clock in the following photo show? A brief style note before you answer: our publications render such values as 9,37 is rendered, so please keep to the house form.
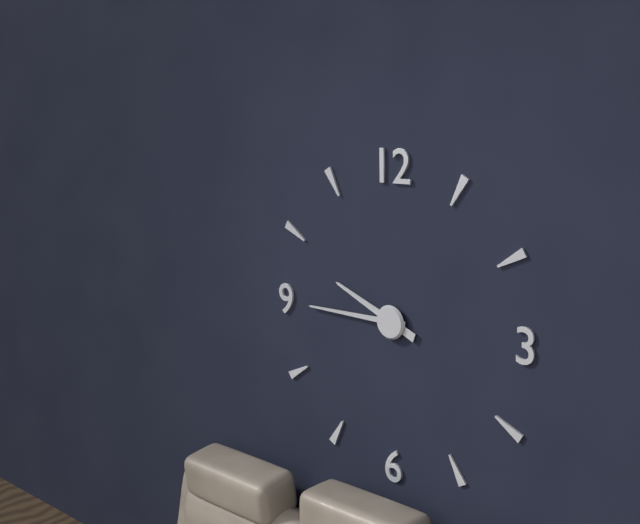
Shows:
9,45
